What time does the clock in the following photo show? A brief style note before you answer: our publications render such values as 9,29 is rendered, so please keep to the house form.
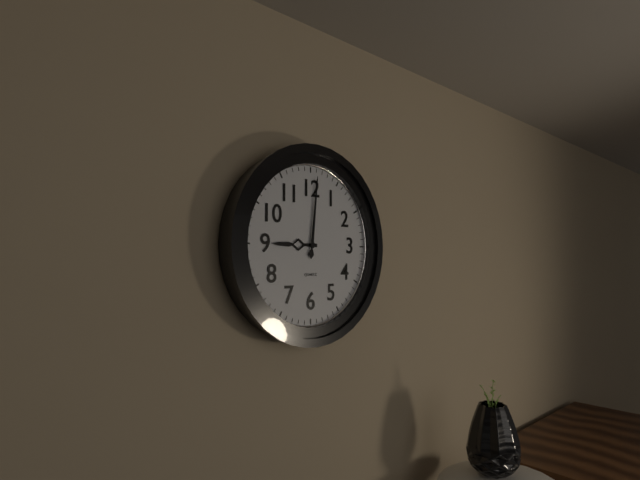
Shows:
9,01
